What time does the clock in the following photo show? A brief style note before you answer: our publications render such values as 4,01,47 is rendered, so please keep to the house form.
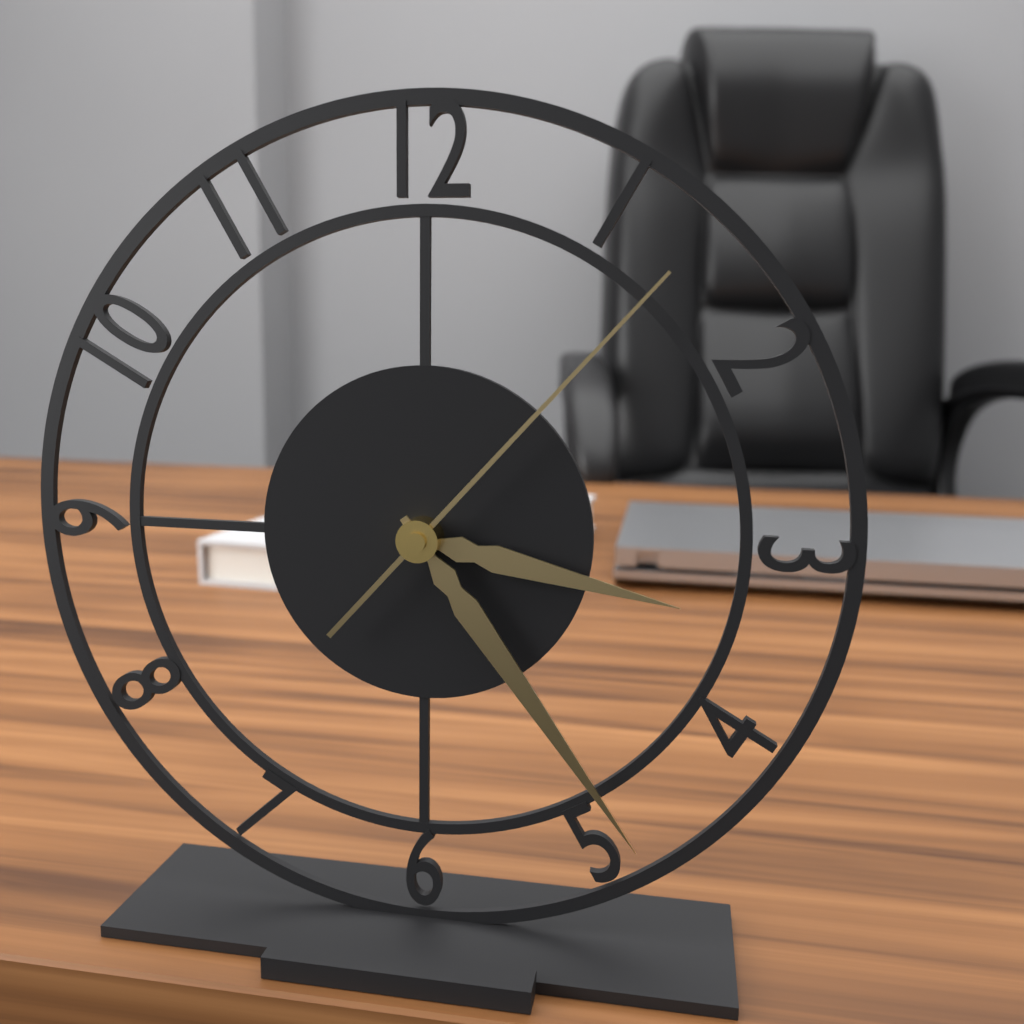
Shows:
3,24,07
